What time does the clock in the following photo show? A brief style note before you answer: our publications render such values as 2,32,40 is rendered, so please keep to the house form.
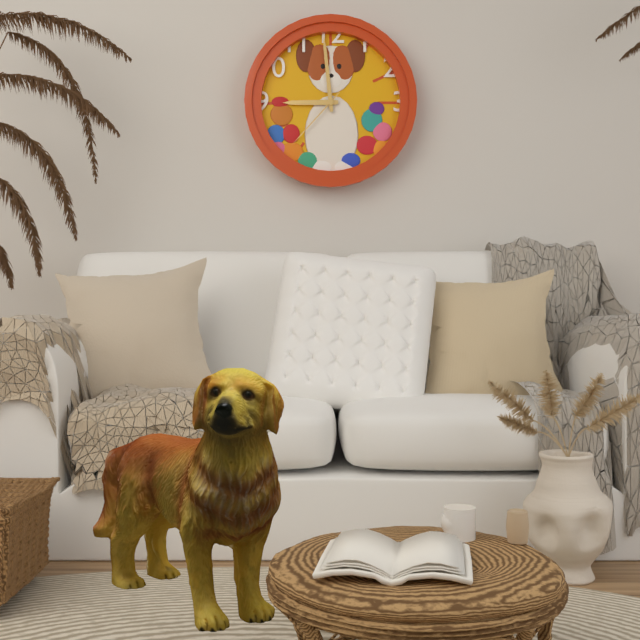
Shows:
8,59,37
